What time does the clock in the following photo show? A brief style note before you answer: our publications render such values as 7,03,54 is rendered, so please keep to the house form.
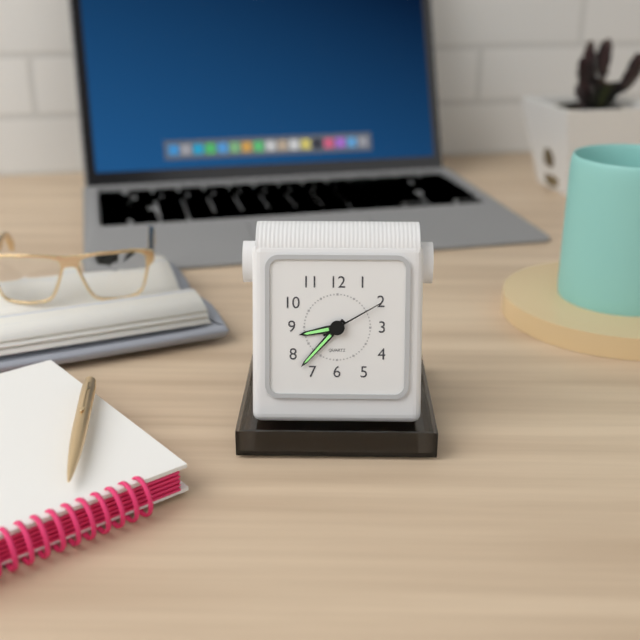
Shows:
8,37,10
